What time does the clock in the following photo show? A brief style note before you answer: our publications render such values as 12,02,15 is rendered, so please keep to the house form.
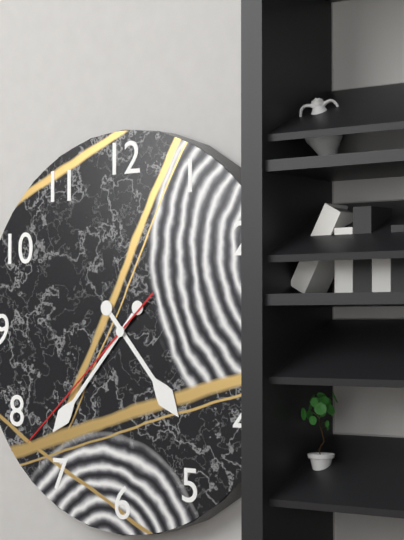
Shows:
4,37,38
